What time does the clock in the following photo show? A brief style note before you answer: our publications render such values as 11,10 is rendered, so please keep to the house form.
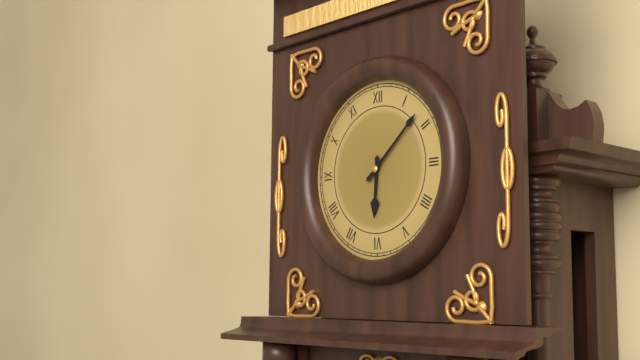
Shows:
6,08
